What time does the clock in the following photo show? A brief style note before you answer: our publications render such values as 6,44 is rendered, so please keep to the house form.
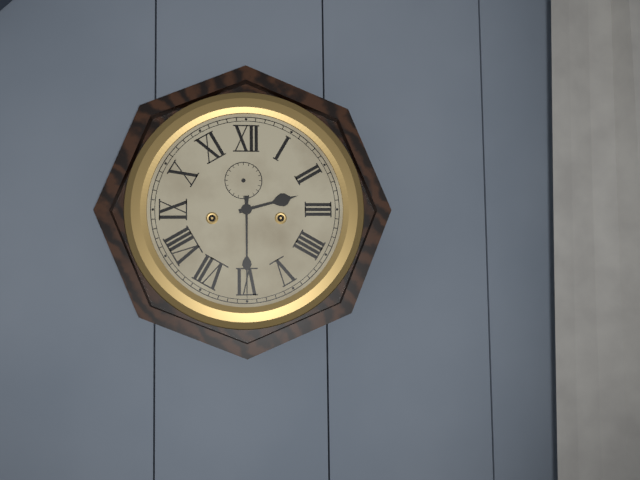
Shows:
2,30
